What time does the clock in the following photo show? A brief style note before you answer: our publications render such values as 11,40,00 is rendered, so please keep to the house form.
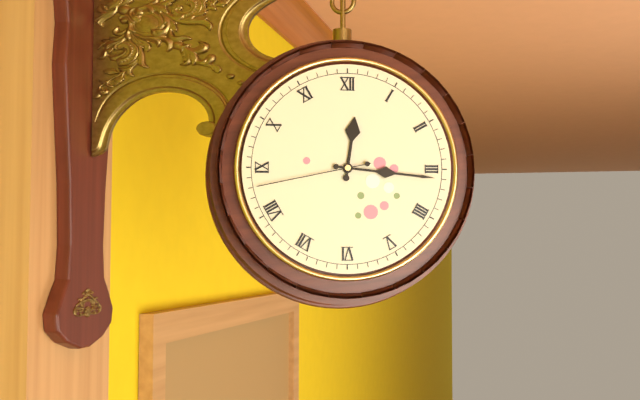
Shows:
12,16,43
